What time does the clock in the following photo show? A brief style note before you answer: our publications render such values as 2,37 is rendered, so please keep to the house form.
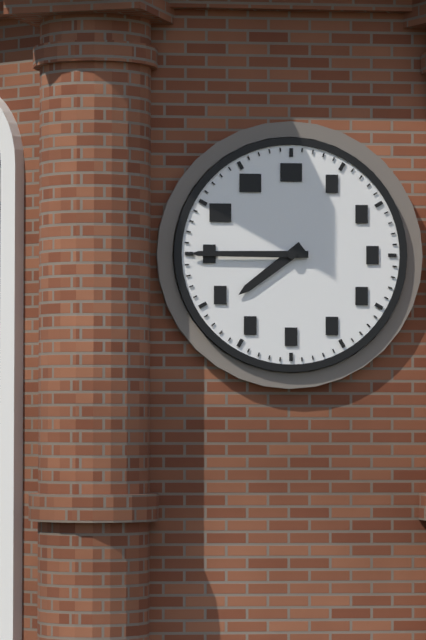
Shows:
7,45
